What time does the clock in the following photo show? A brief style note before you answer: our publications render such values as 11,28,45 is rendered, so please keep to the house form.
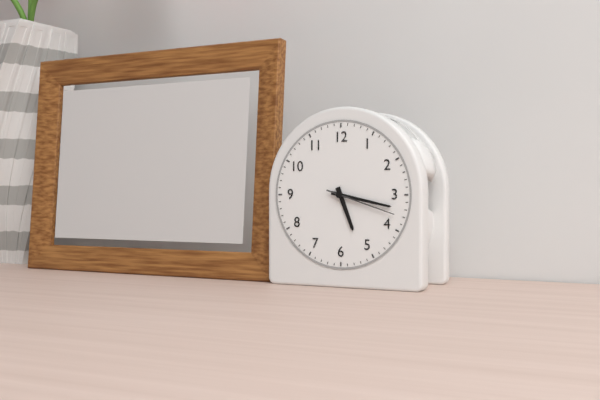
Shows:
5,17,18
